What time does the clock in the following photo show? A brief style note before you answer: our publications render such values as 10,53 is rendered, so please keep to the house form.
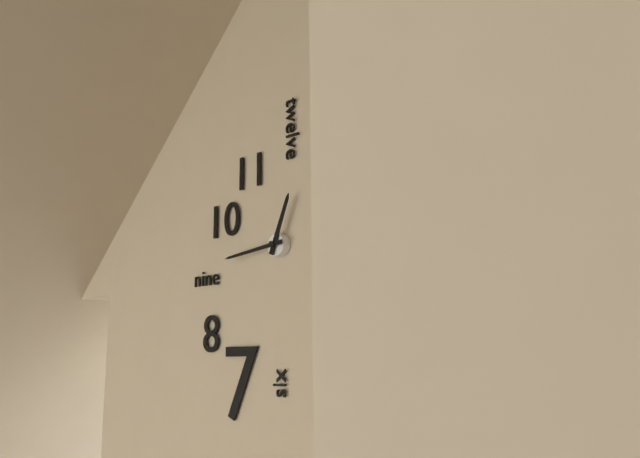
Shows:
12,44
